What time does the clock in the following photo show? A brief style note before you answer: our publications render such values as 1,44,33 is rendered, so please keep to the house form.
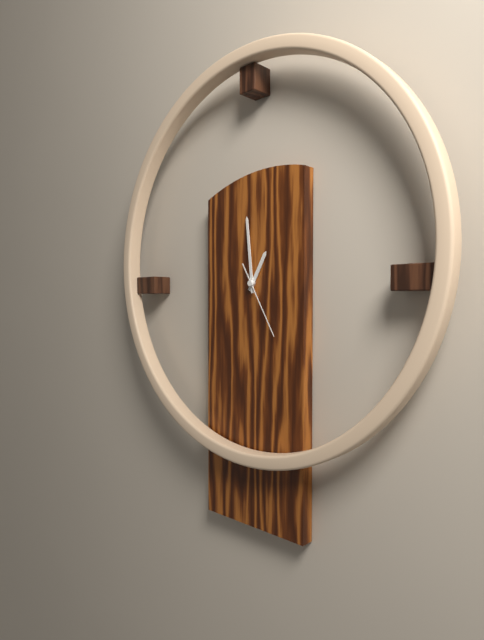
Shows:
12,59,25
